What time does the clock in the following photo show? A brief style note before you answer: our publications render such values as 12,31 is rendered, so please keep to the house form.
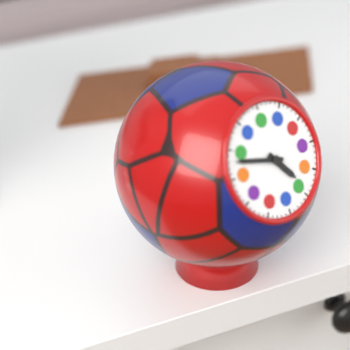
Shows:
4,48
